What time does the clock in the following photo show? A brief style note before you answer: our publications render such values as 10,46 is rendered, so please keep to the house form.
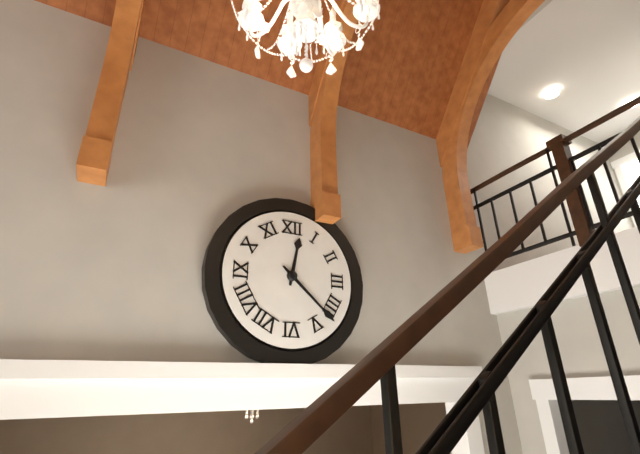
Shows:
12,22
